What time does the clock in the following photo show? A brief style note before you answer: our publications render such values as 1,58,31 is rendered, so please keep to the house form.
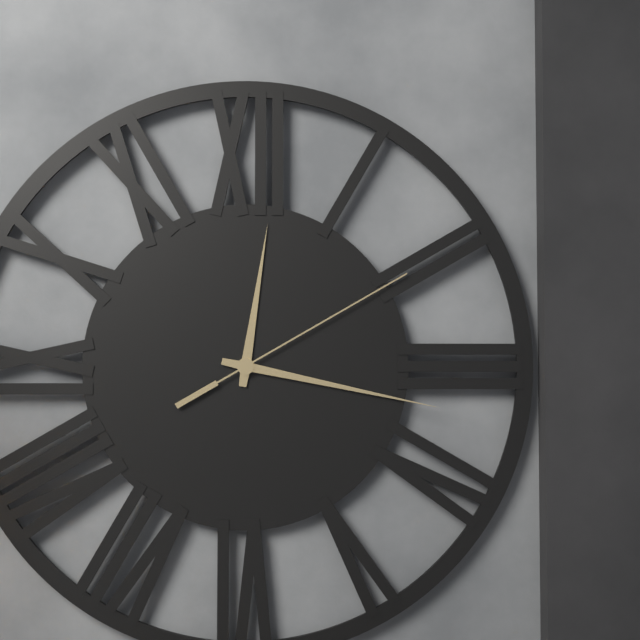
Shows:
12,17,10
